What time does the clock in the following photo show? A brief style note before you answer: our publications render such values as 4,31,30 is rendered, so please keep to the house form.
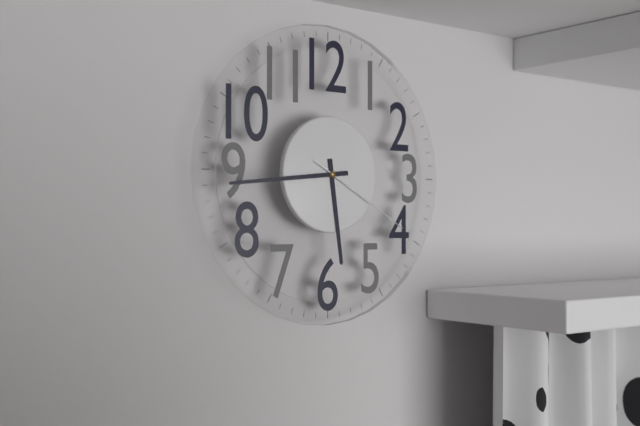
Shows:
5,44,20
